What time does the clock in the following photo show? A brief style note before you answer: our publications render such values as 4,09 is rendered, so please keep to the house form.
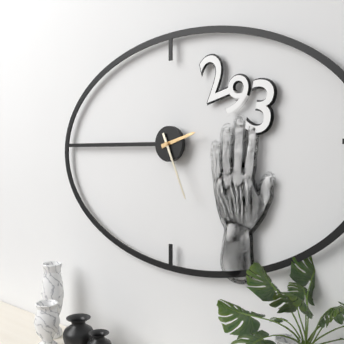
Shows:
2,26
